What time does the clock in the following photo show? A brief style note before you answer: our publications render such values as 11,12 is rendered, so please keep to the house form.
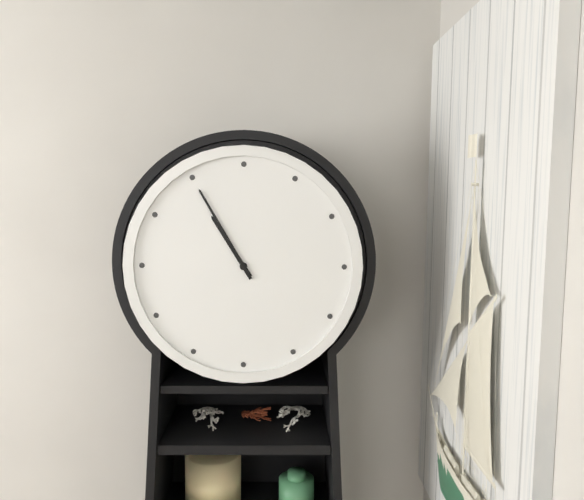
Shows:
10,55
